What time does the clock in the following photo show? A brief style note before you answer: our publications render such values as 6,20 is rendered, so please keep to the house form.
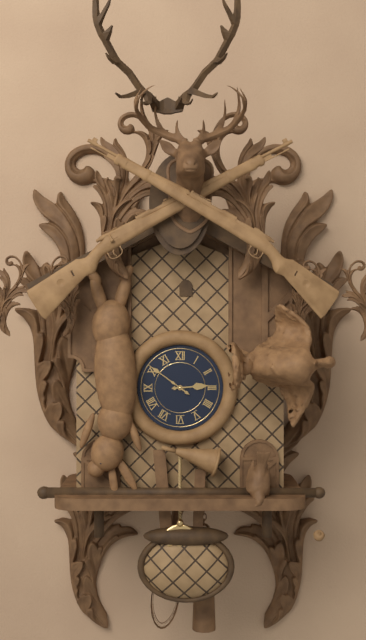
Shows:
2,51
